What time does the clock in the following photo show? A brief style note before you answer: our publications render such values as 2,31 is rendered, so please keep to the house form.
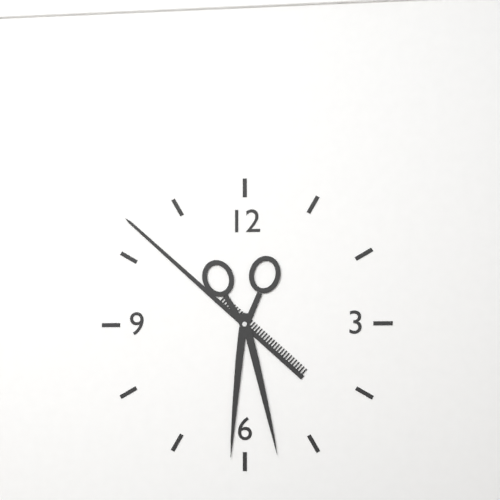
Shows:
5,52
